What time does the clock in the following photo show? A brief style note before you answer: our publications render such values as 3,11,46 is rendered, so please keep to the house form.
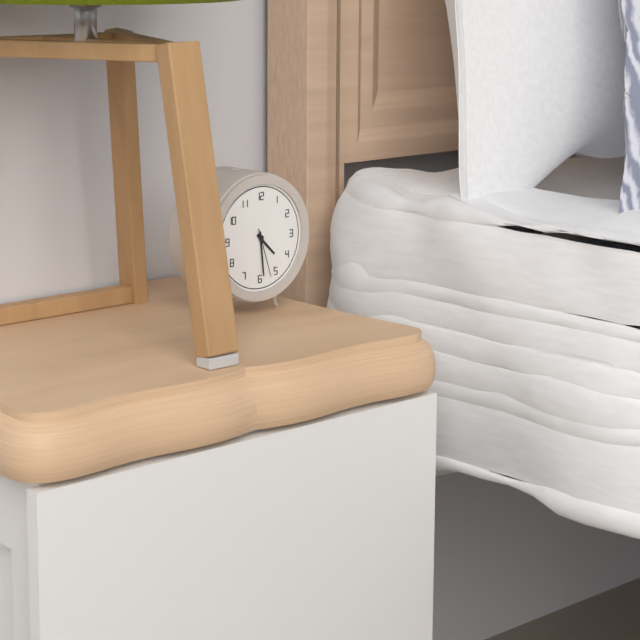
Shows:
4,29,27
